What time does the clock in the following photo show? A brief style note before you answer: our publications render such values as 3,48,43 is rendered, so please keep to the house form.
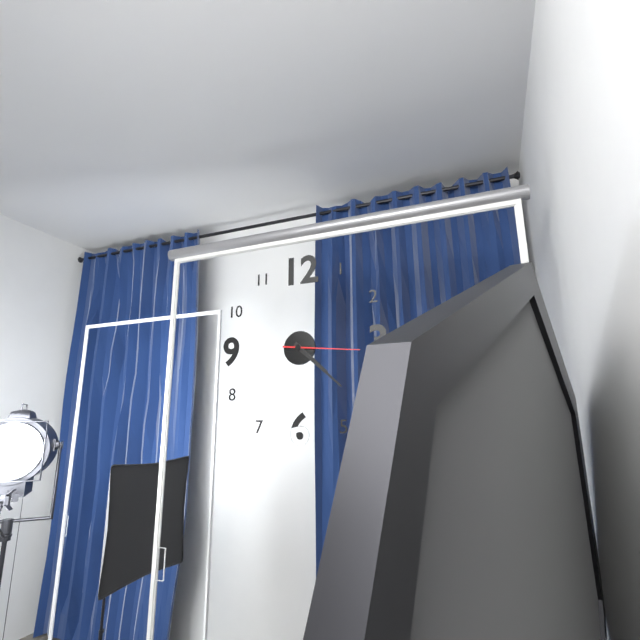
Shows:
4,22,16
